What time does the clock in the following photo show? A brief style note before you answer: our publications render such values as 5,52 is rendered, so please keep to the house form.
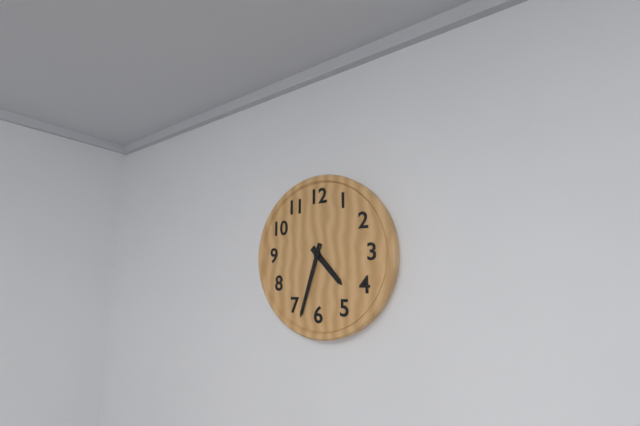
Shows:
4,33
